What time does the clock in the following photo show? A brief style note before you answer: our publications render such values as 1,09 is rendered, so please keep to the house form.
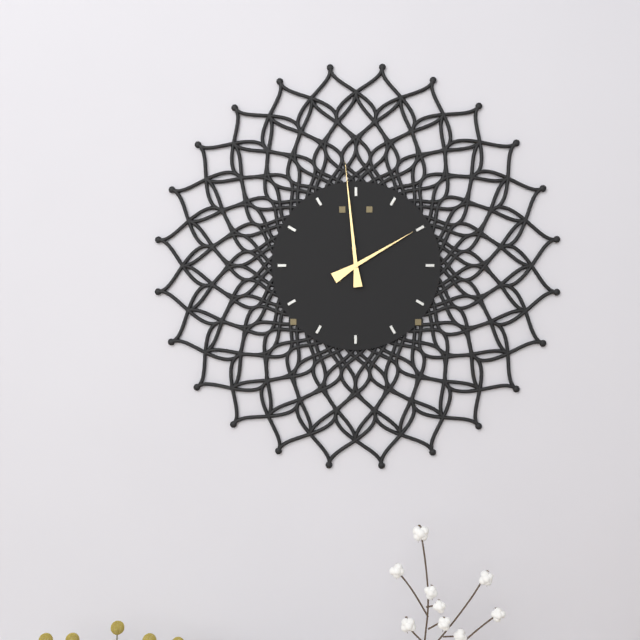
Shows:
1,59
